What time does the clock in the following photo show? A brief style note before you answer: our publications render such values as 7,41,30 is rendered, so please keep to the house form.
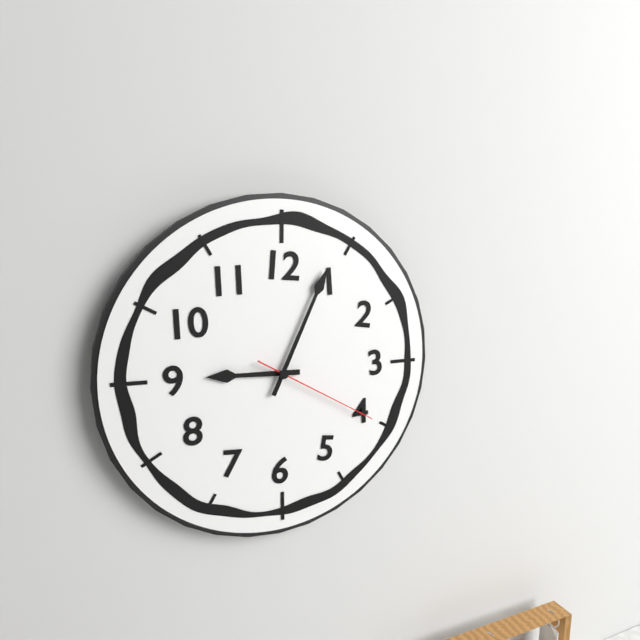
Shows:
9,04,20
